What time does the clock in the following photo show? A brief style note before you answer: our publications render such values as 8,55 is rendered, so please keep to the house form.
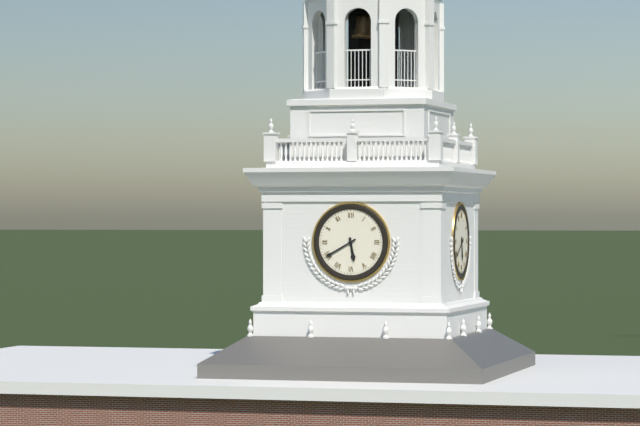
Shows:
5,40
